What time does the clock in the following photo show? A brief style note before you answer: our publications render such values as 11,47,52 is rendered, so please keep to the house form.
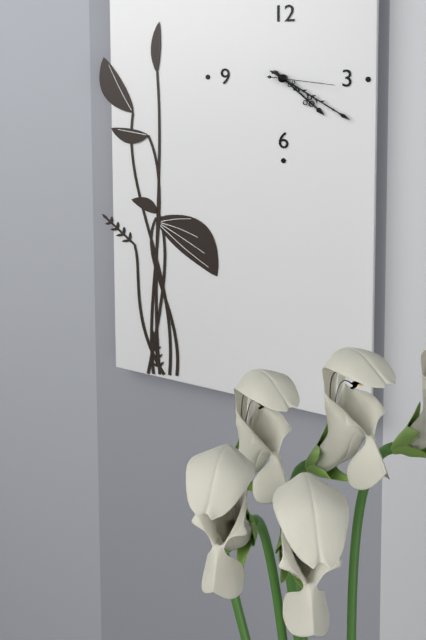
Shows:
4,20,16
